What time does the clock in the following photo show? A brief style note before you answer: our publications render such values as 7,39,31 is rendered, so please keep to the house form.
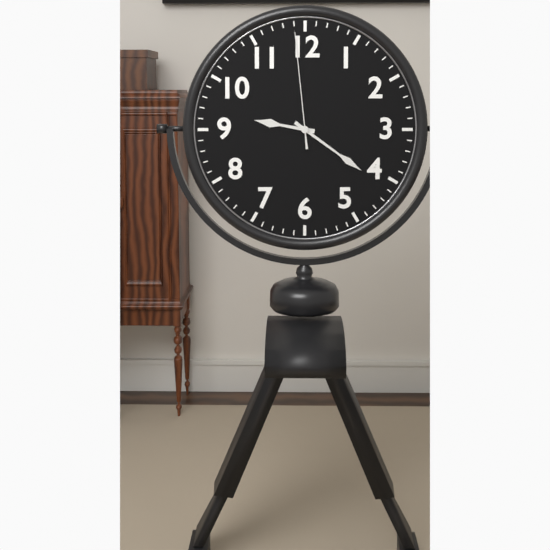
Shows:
9,21,59
